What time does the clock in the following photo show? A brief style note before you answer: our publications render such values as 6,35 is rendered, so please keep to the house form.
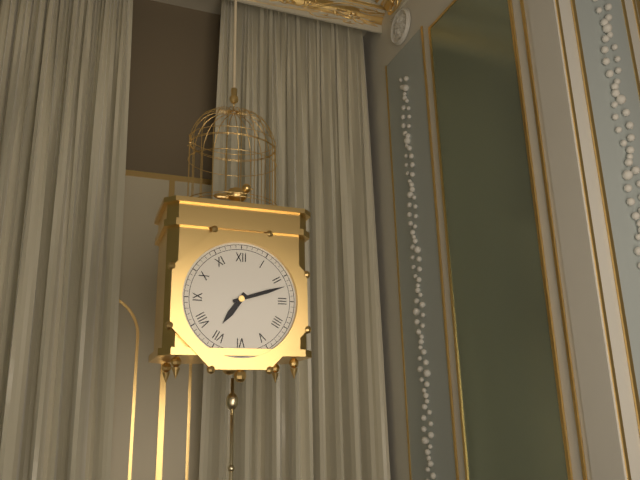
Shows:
7,12
